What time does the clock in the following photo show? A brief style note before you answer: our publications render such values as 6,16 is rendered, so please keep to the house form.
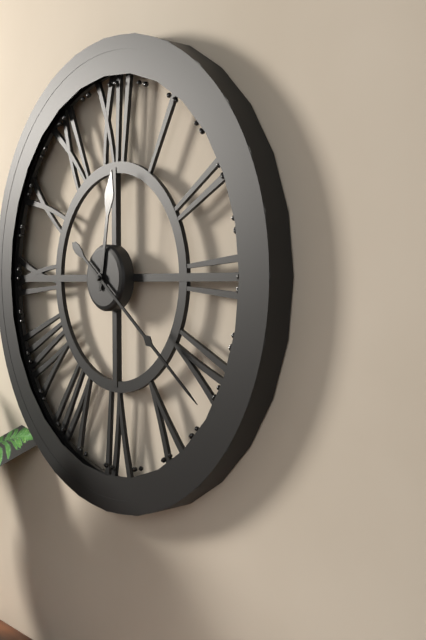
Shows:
12,21
